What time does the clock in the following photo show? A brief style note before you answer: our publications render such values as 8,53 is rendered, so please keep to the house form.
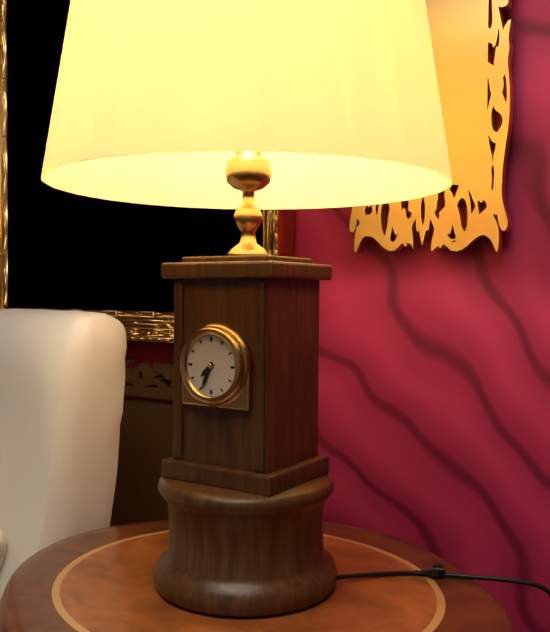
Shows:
7,34
